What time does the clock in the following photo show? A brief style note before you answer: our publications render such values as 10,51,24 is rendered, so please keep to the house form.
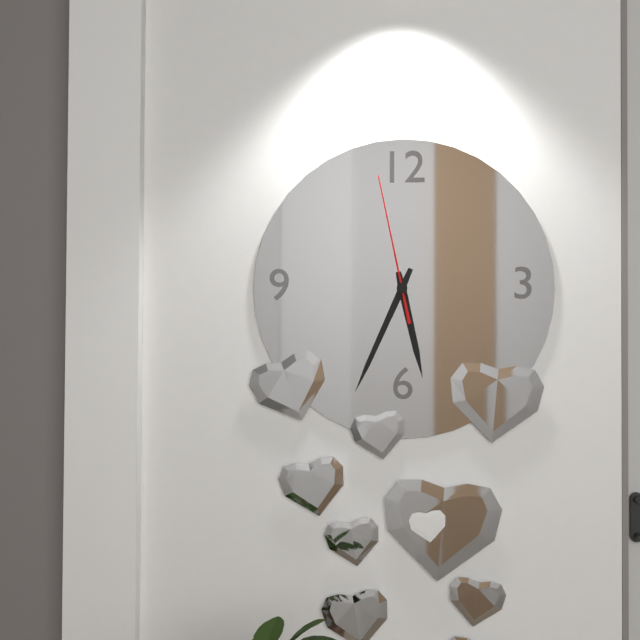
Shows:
5,34,58
